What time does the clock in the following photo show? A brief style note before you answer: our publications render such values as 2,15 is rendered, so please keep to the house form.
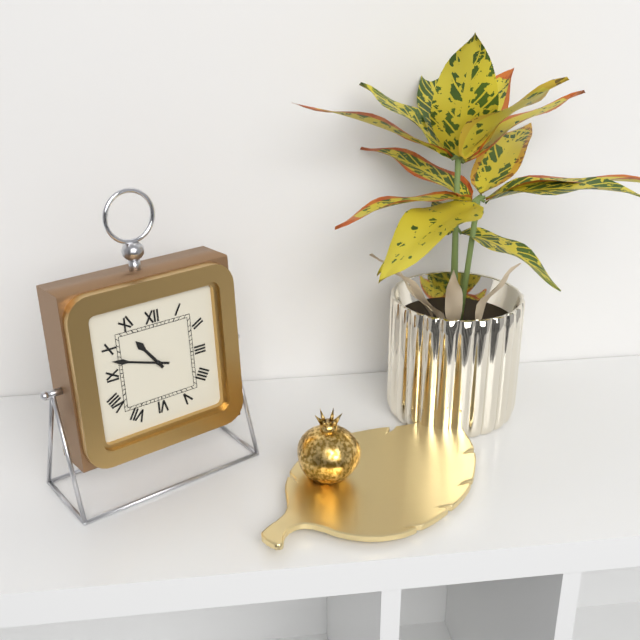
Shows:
10,48
